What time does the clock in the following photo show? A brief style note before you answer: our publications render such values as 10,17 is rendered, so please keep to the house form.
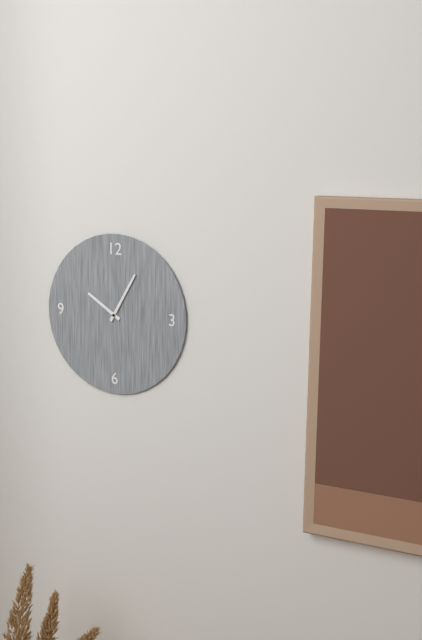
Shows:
10,05
